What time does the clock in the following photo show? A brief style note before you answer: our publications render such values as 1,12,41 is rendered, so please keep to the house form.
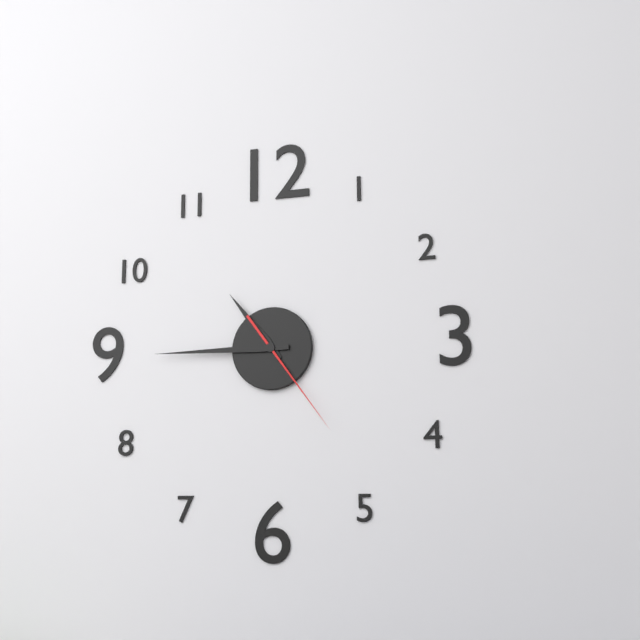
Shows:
10,45,24
